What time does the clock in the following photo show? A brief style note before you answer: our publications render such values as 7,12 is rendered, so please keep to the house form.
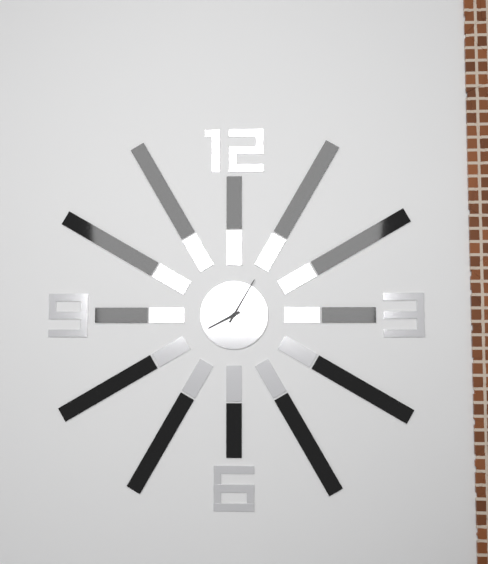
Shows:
8,05
